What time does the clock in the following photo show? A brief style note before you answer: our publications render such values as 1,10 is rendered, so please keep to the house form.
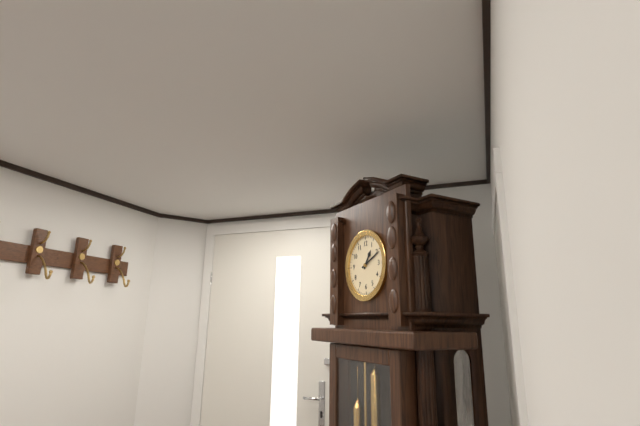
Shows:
1,11
